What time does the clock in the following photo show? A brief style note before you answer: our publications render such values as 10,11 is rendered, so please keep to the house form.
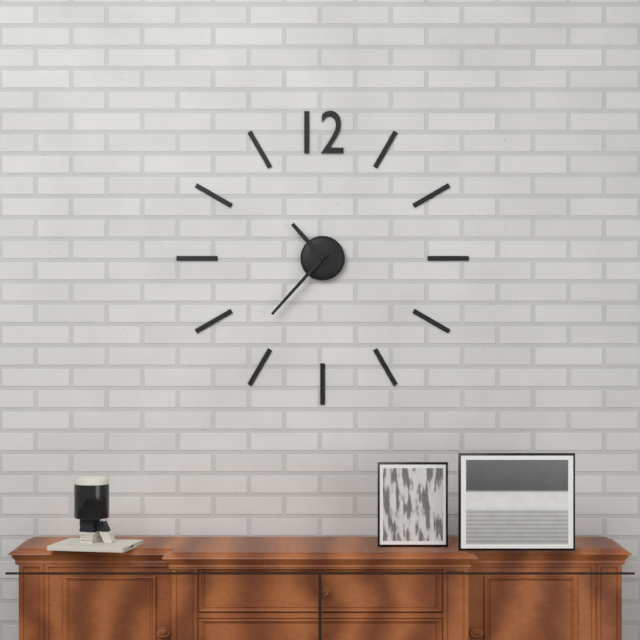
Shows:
10,37
